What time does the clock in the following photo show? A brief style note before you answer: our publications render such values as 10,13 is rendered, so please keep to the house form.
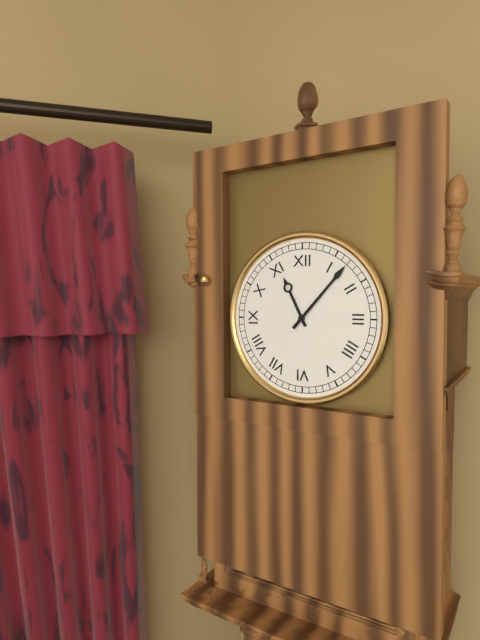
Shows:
11,07
